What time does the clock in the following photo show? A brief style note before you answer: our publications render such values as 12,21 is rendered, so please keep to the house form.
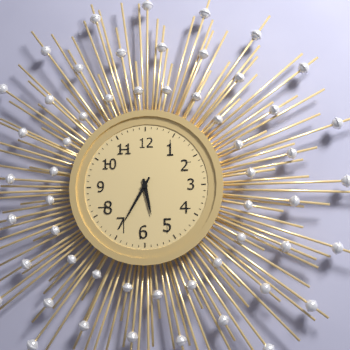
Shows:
5,35
